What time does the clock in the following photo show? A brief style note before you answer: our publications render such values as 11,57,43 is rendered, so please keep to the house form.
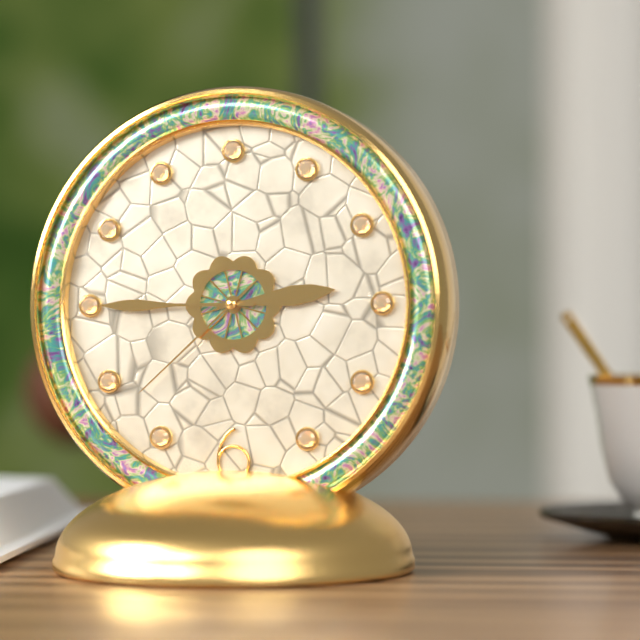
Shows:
2,45,38
